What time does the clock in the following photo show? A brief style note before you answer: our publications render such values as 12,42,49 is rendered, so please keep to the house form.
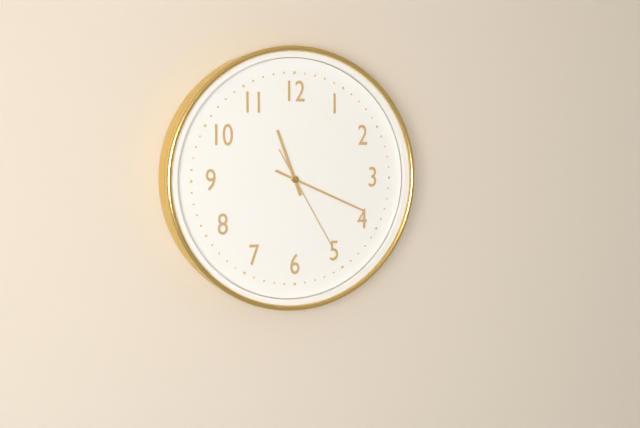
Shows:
11,19,25
